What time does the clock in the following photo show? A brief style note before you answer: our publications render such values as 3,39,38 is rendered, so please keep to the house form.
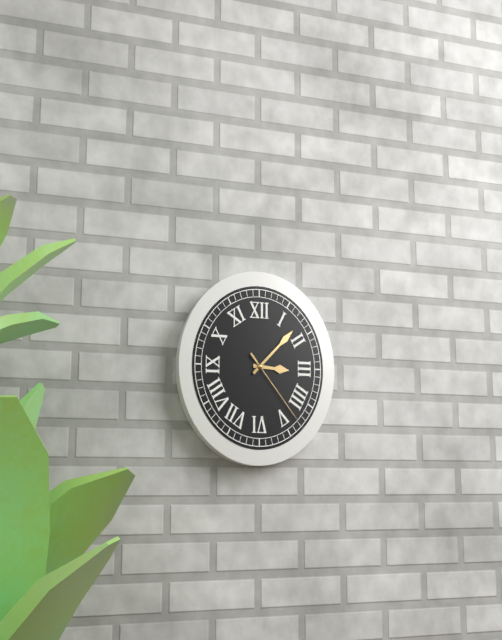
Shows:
3,08,23
